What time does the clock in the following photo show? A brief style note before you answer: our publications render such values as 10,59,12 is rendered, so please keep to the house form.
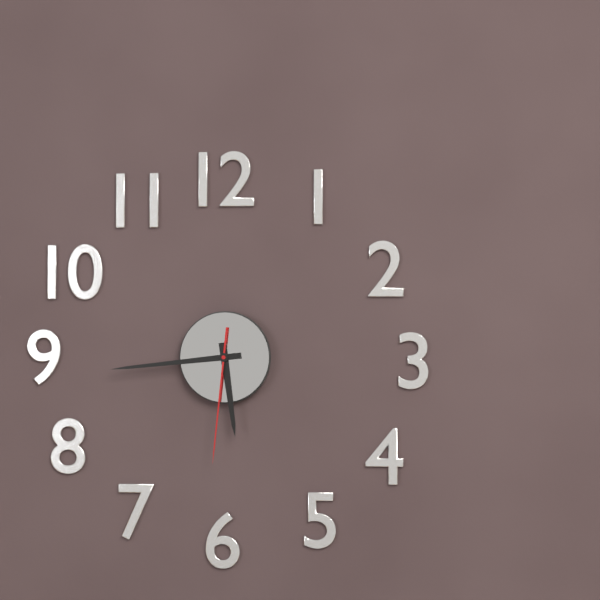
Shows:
5,44,31
